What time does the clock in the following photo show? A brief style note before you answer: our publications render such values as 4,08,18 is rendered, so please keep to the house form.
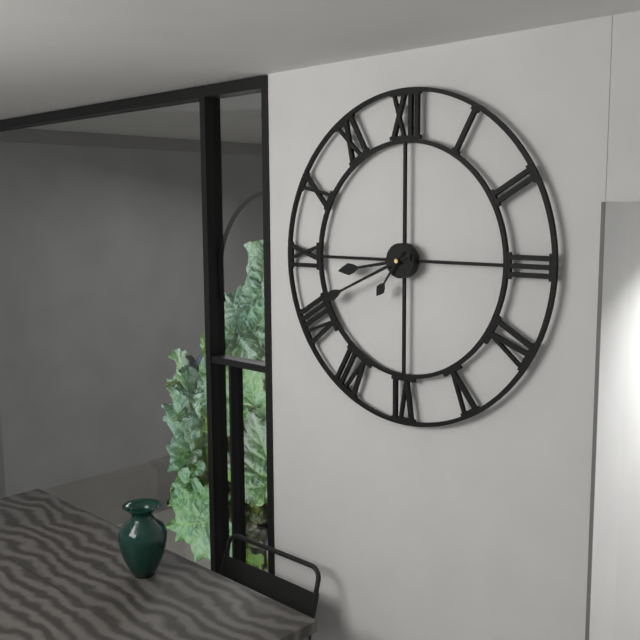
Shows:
8,41,36
